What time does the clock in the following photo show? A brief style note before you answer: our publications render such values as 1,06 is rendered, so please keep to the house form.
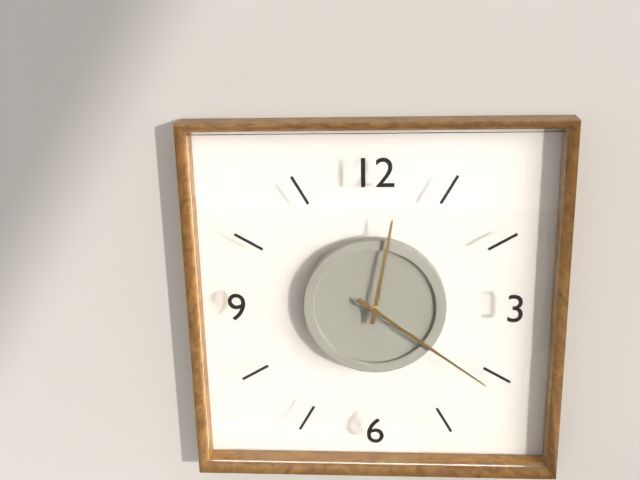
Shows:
12,21
